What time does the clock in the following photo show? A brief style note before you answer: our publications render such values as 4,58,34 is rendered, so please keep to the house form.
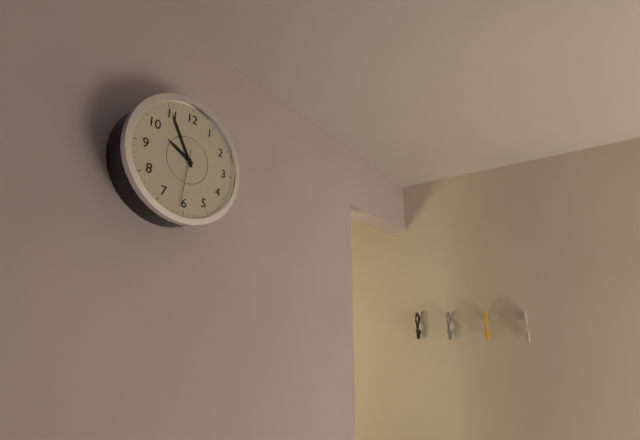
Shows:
9,55,31
